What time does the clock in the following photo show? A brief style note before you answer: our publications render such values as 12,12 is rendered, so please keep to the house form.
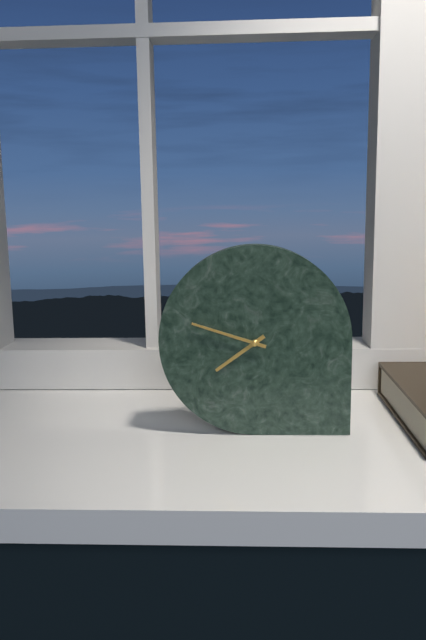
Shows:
7,48
